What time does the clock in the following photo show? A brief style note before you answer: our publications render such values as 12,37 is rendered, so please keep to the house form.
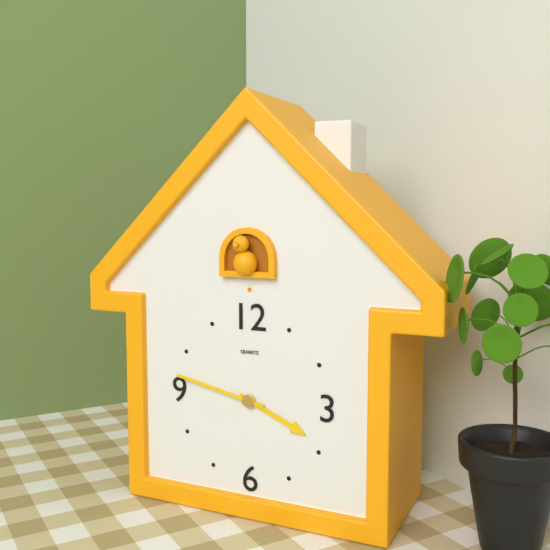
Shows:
3,47
